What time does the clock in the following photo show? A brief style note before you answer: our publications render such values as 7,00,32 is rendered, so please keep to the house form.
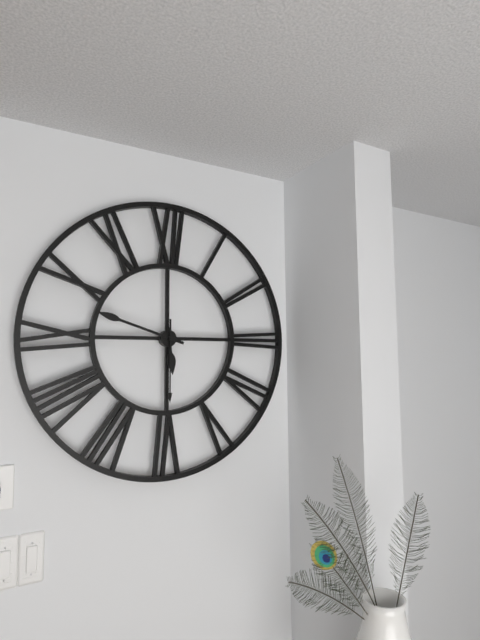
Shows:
5,48,30
